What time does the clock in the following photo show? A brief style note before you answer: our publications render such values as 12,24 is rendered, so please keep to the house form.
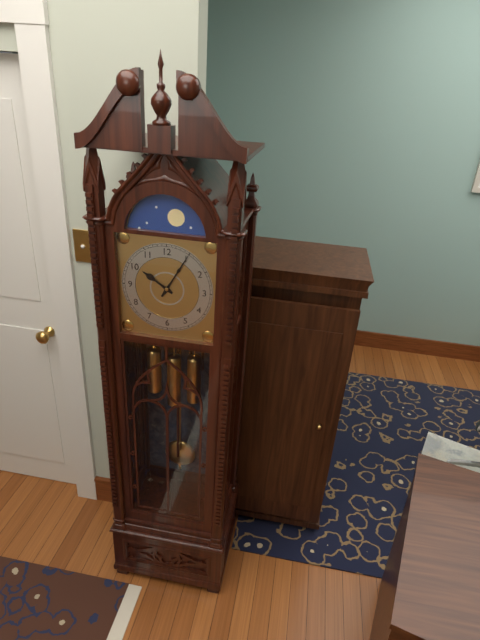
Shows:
10,05
